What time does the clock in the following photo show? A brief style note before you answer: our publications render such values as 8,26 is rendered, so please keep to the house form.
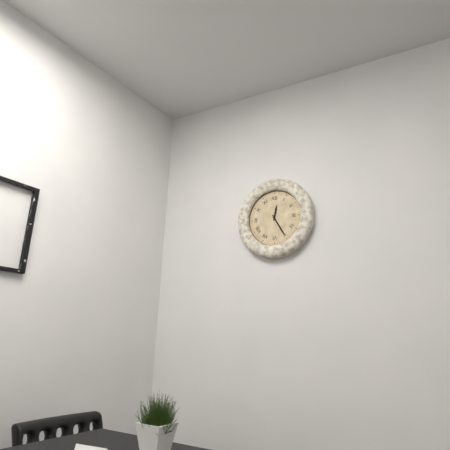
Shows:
12,25
